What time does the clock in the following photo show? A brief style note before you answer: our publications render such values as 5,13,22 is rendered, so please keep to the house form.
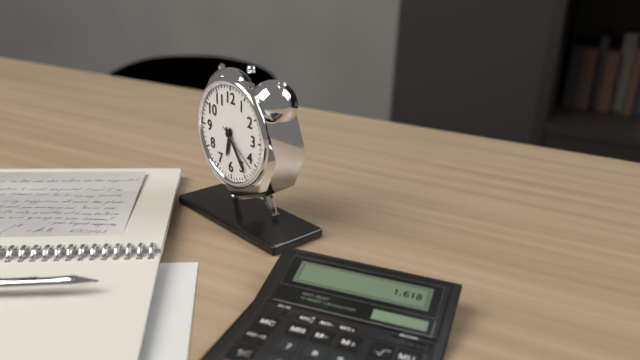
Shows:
6,24,21
